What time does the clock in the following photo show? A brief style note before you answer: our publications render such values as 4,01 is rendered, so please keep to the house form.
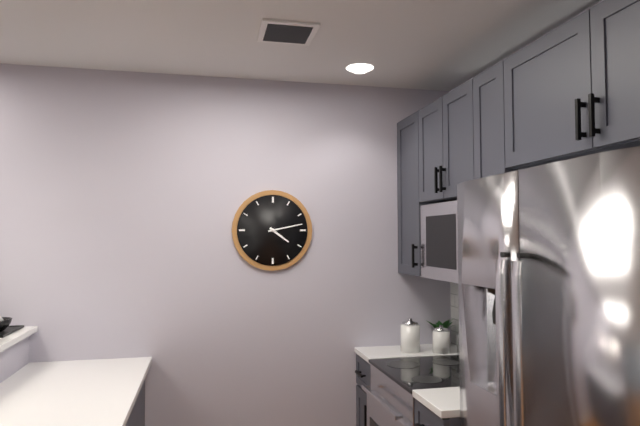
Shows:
4,13
